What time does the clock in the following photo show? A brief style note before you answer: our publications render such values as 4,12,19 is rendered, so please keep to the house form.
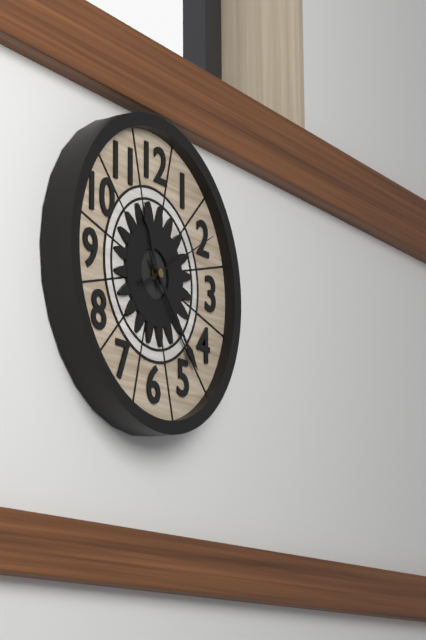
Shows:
11,23,10
